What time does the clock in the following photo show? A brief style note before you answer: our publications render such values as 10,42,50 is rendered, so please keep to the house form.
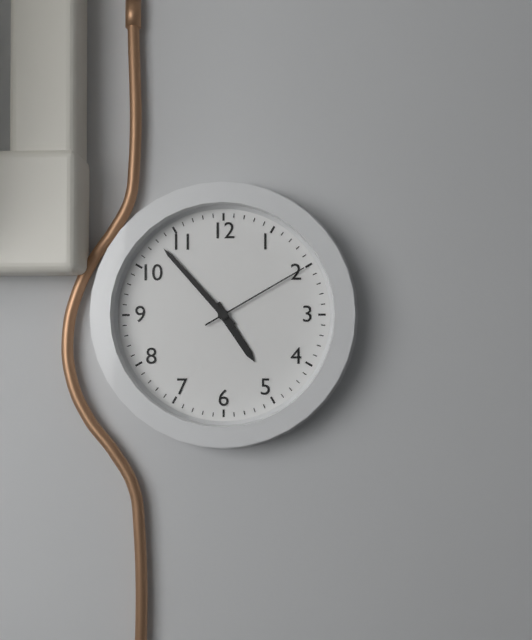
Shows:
4,53,10
